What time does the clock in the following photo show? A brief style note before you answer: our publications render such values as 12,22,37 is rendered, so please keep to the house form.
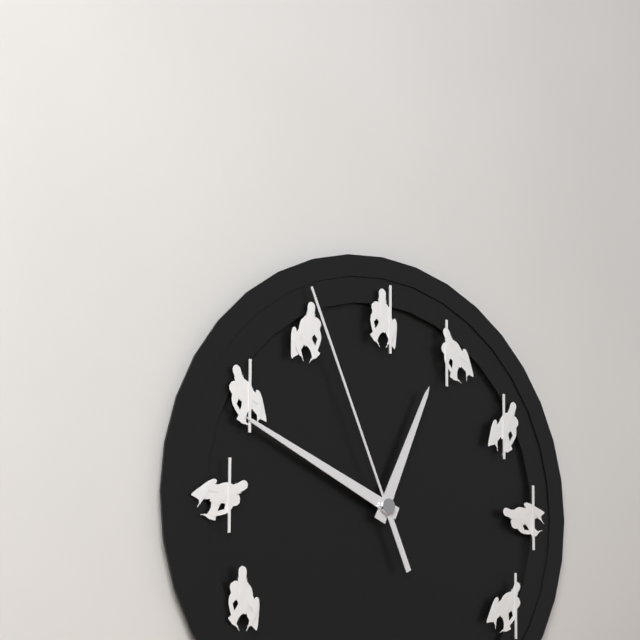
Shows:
12,49,56
